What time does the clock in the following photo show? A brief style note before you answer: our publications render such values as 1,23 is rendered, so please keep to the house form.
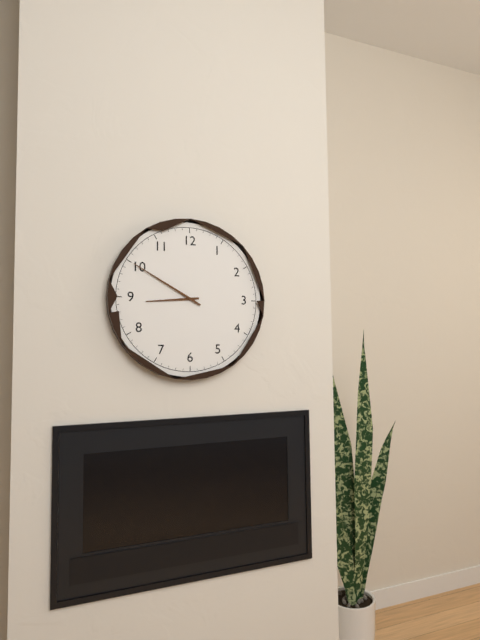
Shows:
8,50
